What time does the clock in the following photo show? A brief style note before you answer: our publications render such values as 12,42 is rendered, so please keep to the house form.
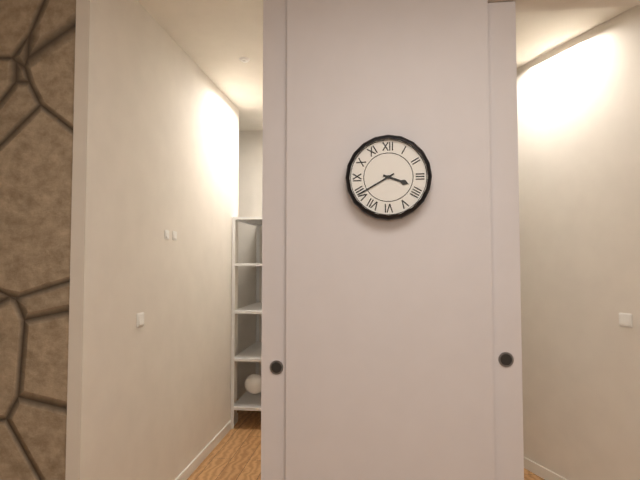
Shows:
3,40
